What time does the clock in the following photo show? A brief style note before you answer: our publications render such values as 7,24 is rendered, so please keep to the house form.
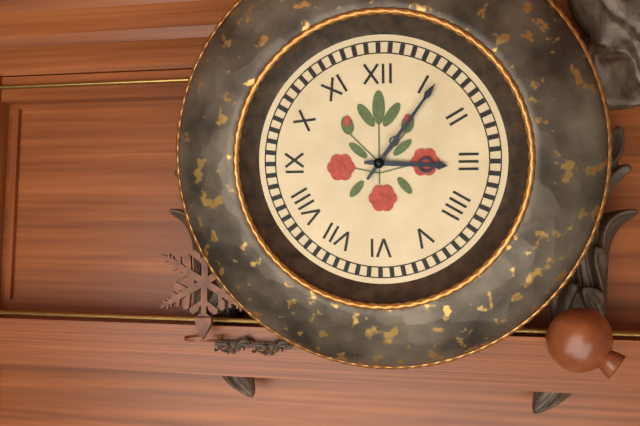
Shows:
3,06
